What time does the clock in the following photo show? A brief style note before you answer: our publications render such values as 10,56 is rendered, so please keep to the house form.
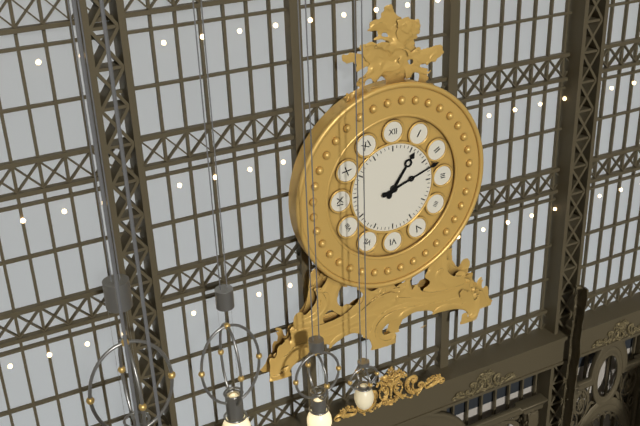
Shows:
1,12
